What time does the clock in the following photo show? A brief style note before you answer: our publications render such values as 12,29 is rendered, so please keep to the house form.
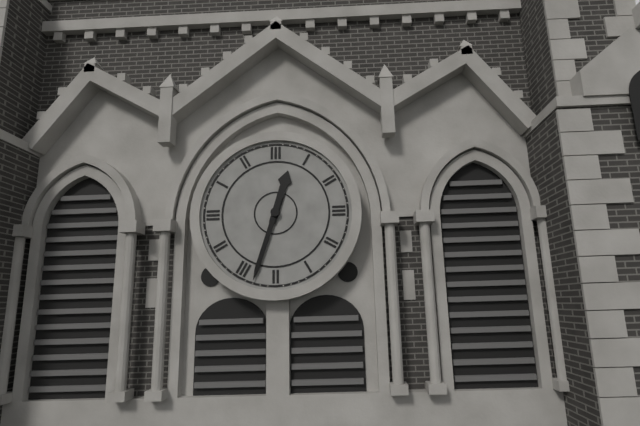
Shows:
12,33
